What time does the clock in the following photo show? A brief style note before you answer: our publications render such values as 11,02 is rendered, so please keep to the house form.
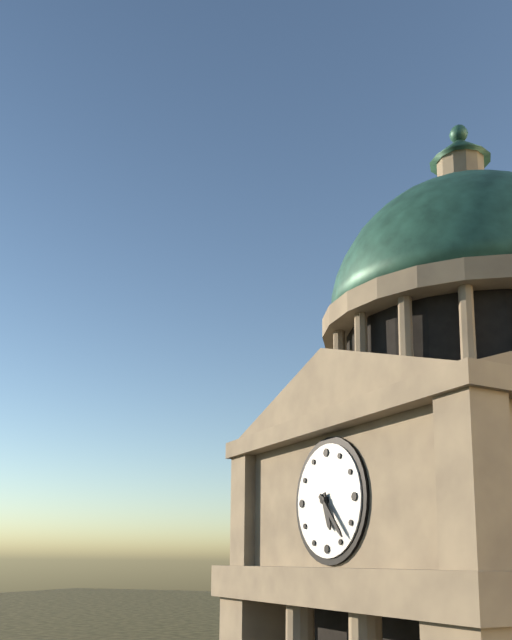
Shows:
5,23
